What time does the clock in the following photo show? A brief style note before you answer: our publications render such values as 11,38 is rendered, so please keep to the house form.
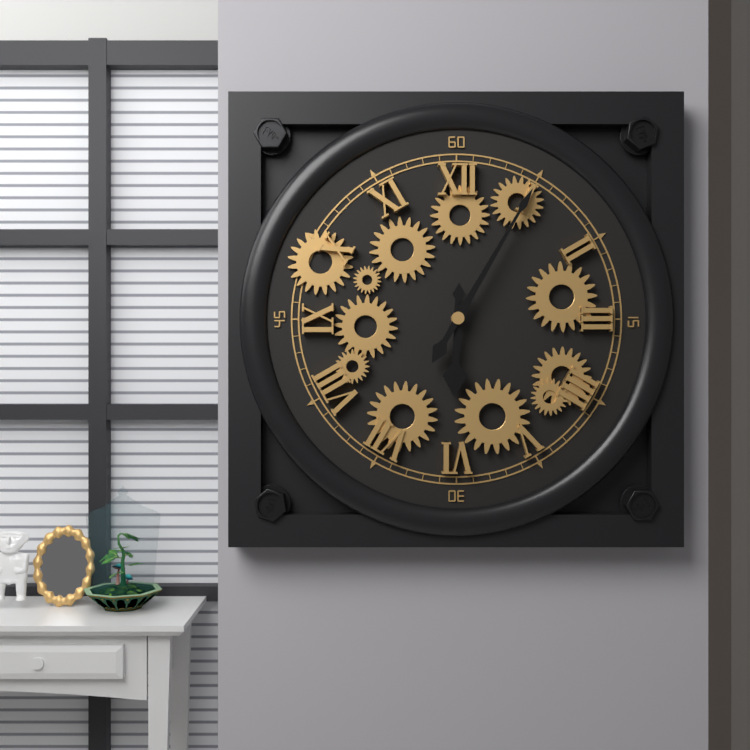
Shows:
6,05
